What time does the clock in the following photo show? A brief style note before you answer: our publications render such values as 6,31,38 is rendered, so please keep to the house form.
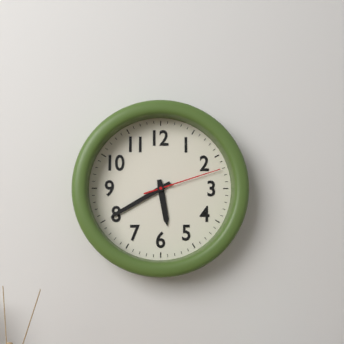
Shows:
5,40,12
